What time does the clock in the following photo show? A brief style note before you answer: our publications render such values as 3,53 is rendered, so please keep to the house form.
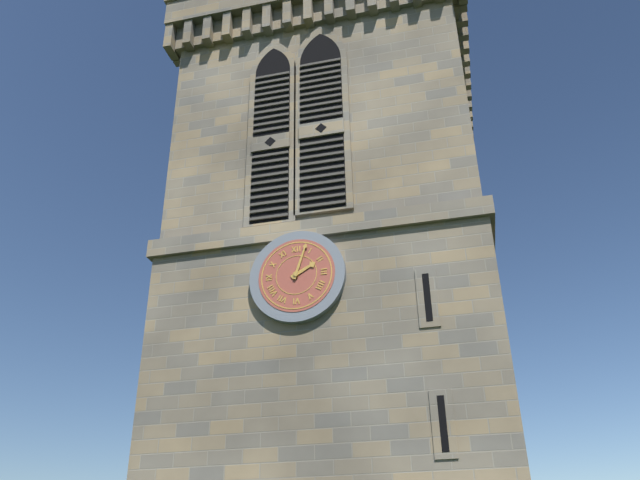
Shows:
2,03
